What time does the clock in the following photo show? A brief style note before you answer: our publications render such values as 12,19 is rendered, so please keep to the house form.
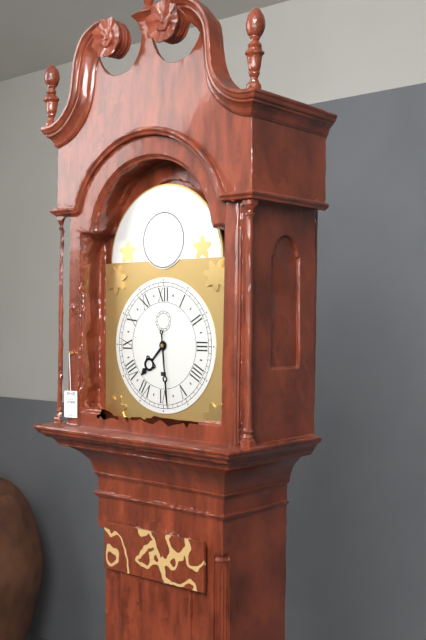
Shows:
7,29
